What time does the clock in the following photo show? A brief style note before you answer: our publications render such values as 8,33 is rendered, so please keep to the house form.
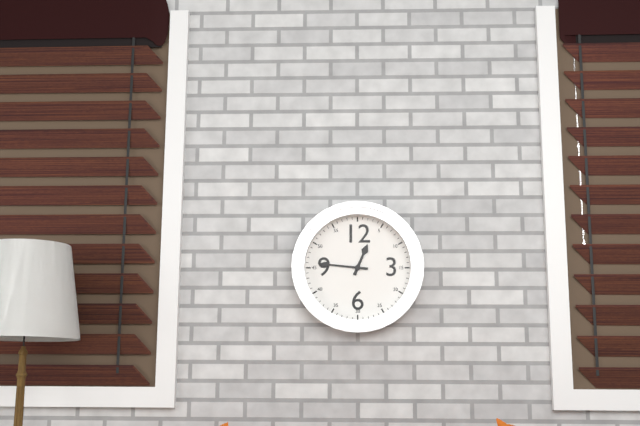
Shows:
12,46
